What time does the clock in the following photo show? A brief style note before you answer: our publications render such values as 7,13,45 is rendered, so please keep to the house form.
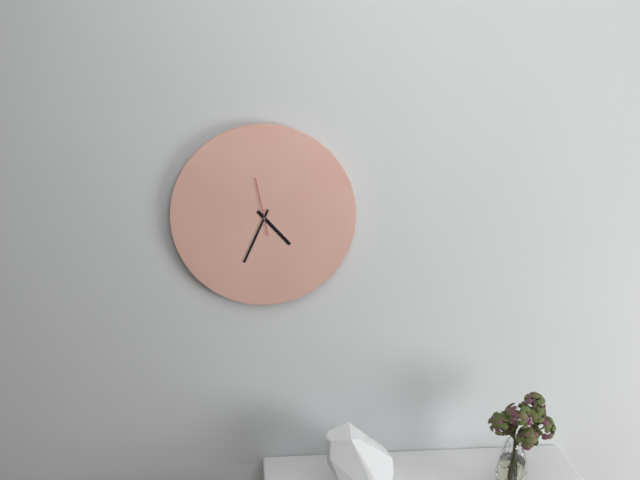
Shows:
4,34,58
